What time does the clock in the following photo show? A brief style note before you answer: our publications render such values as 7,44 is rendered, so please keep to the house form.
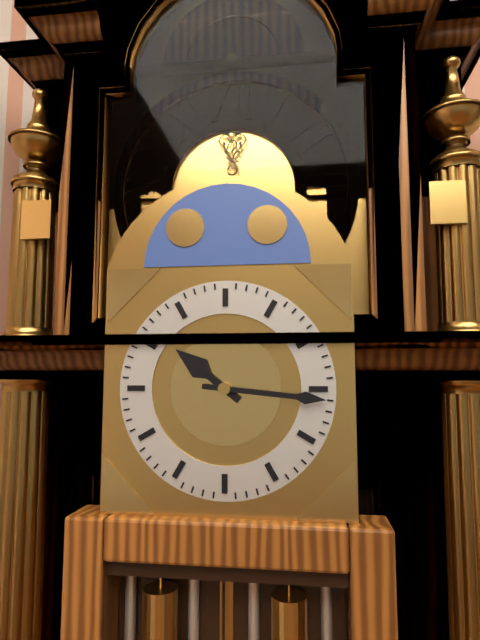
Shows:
10,16
